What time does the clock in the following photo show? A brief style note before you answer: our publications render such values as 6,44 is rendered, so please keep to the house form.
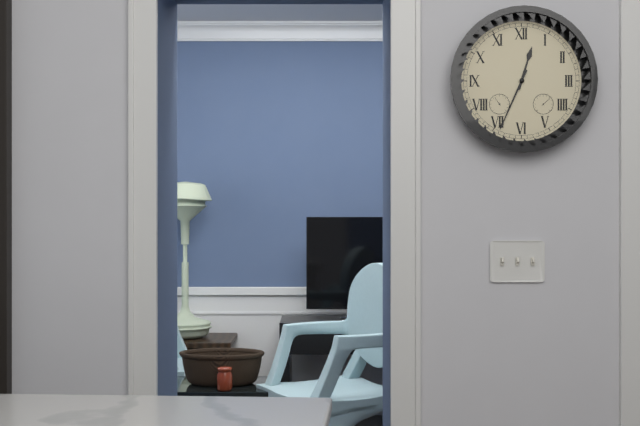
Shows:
12,34
